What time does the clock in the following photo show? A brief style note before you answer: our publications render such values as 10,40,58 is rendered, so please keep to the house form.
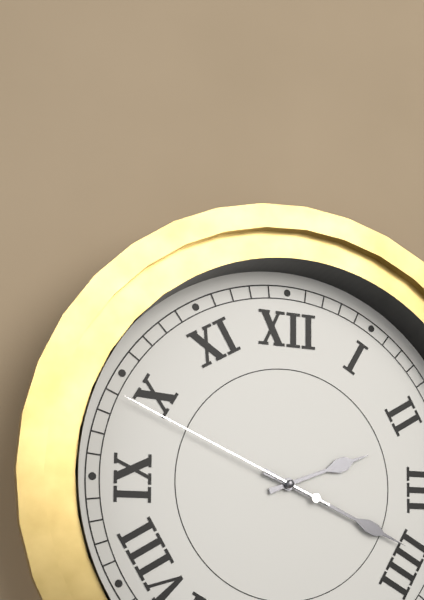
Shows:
2,19,49
